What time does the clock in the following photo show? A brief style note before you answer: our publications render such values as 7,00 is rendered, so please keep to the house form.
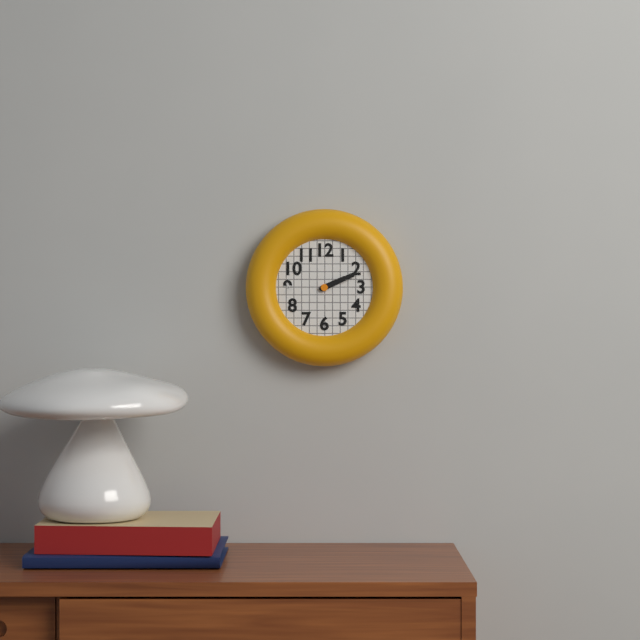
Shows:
2,11
